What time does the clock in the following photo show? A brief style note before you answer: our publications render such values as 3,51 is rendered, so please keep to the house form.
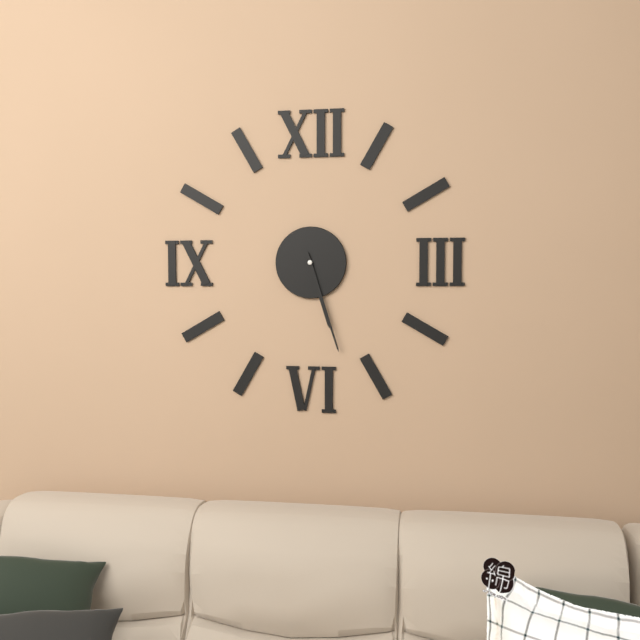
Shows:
5,27
